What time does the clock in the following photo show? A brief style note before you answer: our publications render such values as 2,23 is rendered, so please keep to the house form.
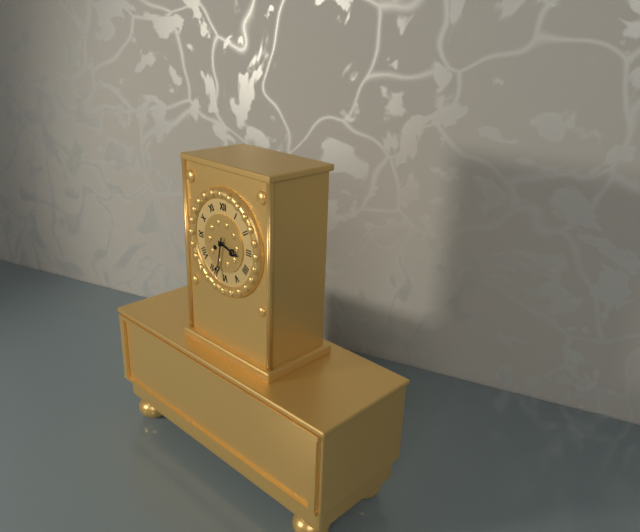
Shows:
3,32
